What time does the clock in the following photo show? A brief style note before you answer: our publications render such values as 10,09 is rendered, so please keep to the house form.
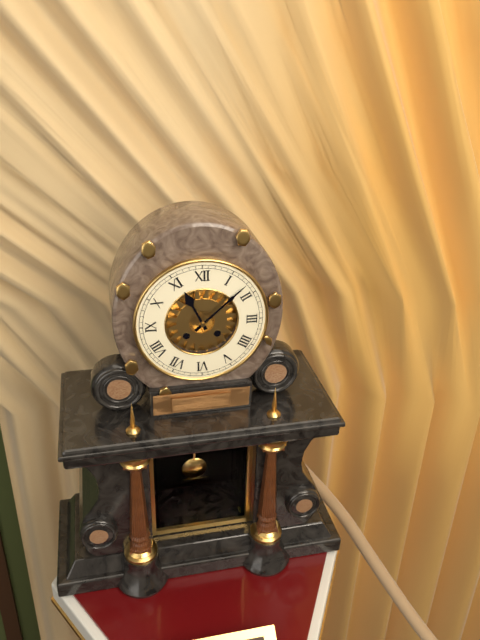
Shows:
11,08
